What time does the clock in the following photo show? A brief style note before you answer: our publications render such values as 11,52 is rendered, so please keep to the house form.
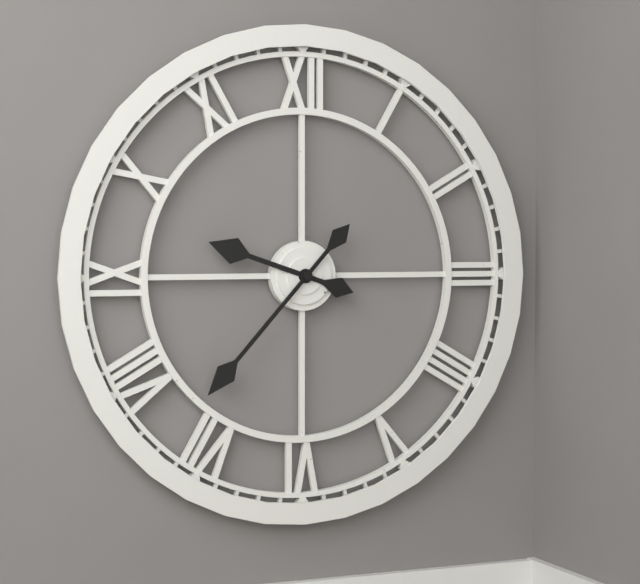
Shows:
9,37
